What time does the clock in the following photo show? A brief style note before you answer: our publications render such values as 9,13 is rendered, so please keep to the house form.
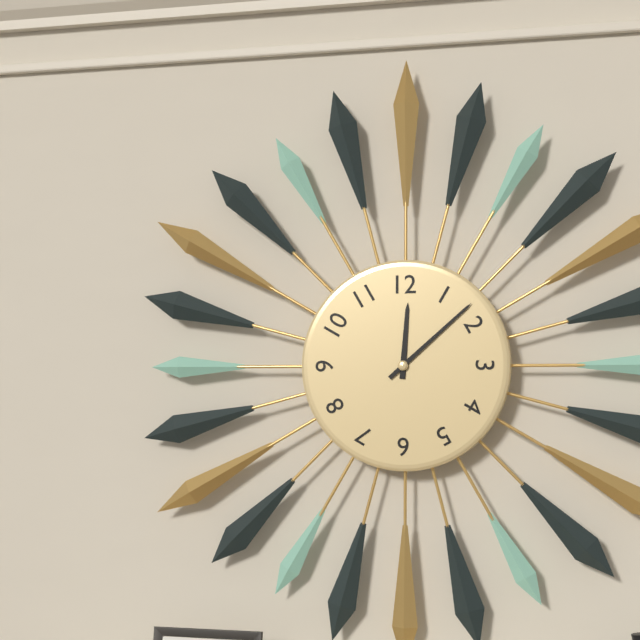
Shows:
12,08
